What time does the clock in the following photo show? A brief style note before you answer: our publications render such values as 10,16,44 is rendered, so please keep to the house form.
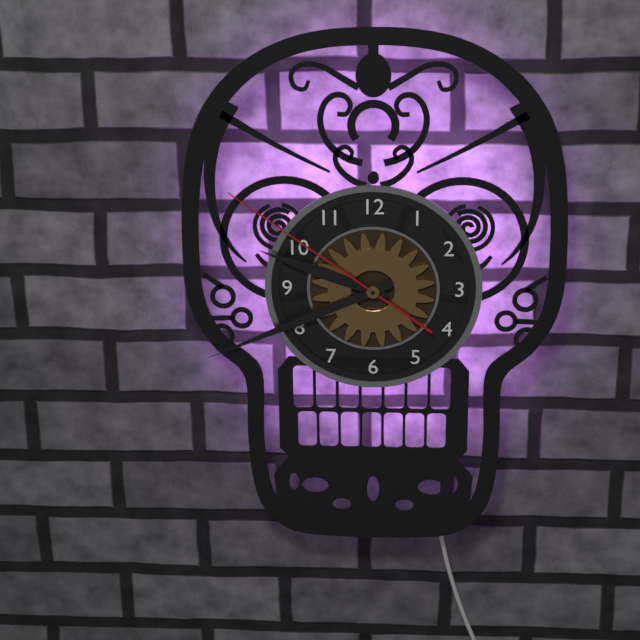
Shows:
9,41,51
